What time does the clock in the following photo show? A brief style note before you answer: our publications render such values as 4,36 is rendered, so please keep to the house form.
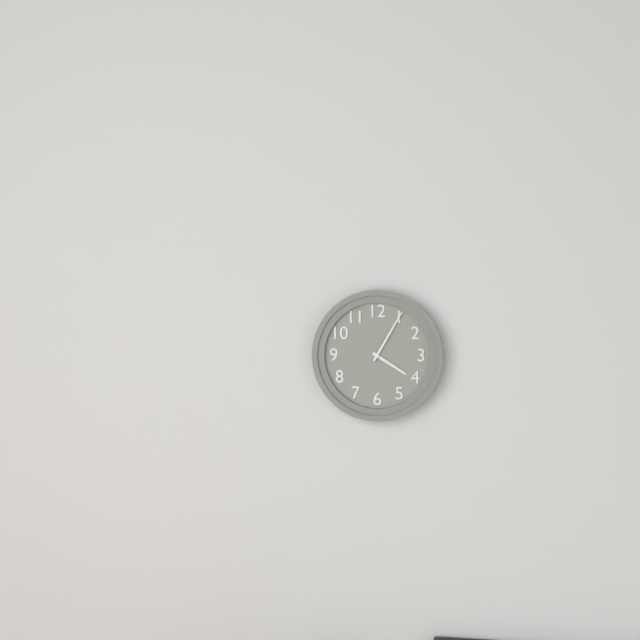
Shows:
4,05
